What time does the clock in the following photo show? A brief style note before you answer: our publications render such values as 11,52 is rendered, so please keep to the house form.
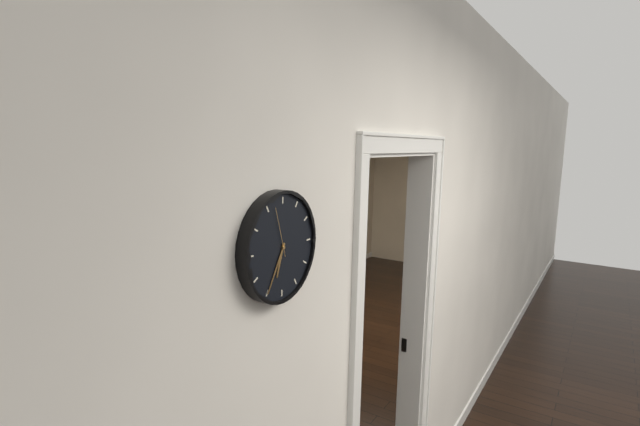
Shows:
6,35
